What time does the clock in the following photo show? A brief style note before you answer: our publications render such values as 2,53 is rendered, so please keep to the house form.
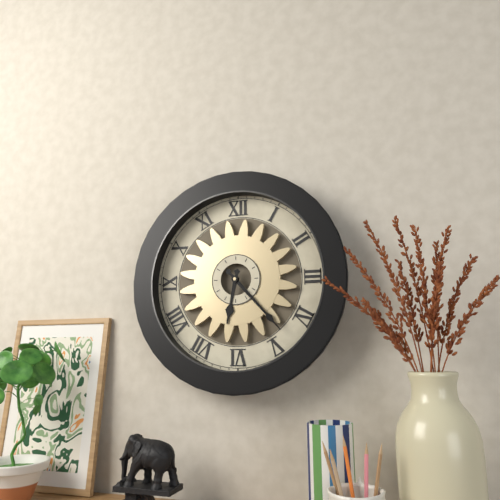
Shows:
6,23
